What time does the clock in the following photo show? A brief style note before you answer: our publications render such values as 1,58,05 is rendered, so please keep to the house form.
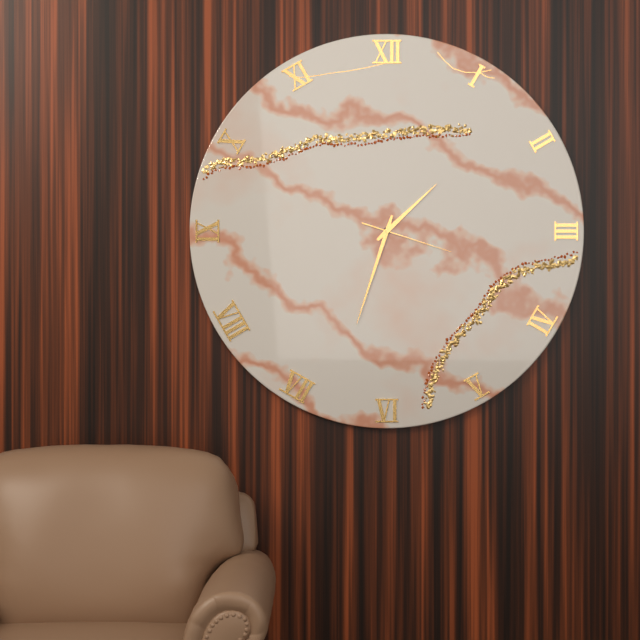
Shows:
1,33,18
